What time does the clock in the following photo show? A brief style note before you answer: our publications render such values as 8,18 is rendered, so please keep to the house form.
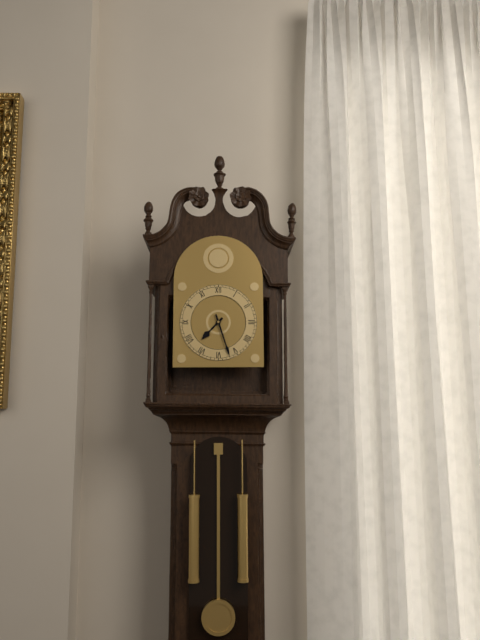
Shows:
7,27
